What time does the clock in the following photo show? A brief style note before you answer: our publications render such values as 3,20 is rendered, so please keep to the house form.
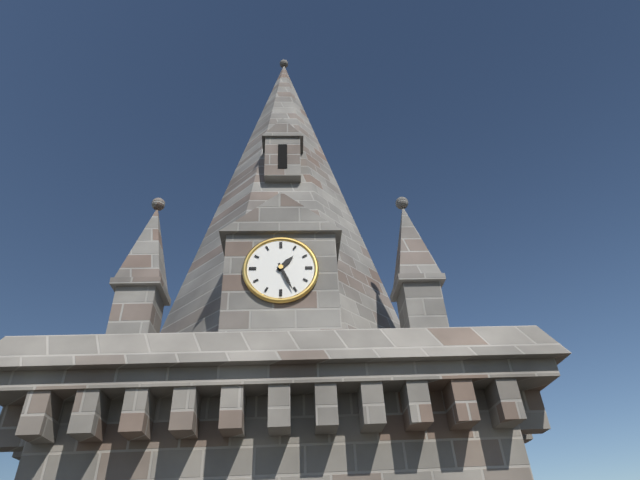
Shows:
1,26
